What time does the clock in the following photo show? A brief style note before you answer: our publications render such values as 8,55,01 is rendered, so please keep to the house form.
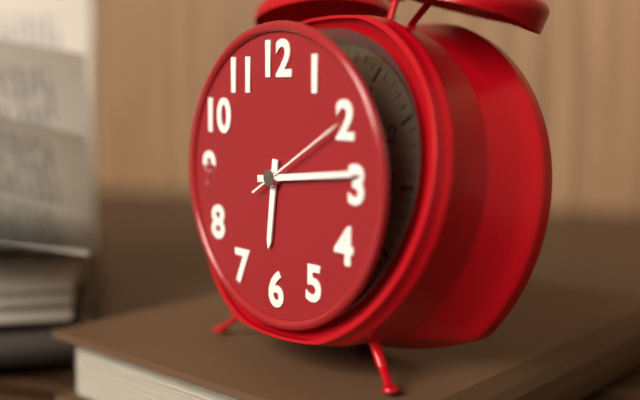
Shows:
6,14,10
